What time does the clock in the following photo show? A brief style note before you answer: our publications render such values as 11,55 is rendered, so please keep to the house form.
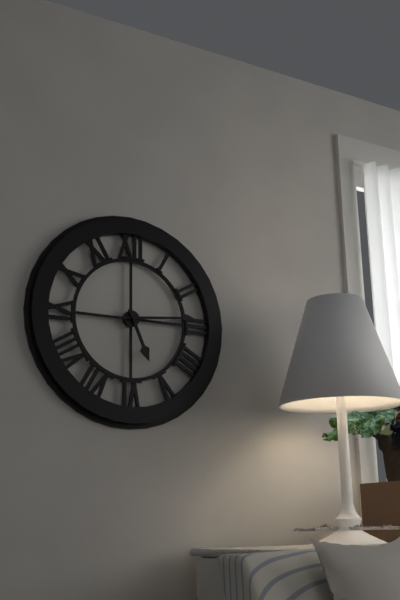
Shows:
5,14
